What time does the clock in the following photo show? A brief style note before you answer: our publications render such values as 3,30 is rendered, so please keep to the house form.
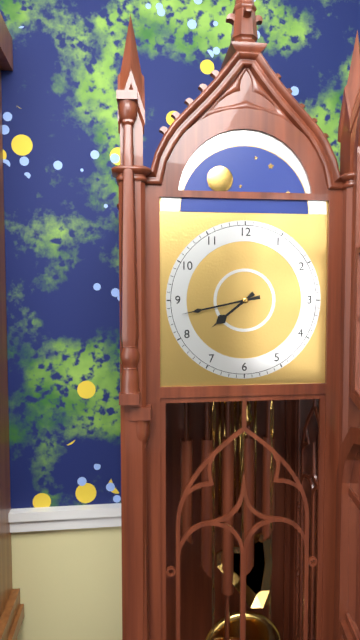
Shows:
7,43
